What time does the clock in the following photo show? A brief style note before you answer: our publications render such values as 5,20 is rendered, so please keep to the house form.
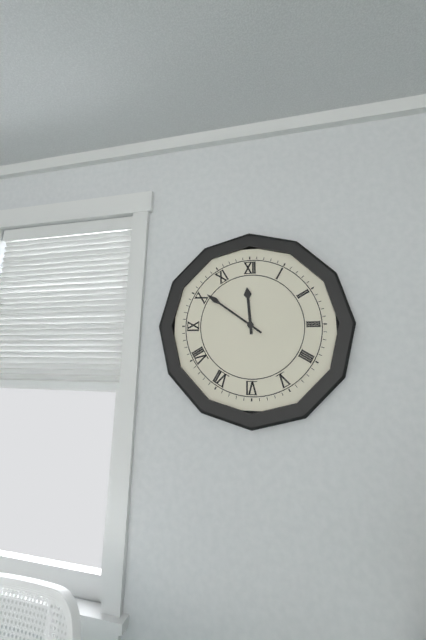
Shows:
11,51
